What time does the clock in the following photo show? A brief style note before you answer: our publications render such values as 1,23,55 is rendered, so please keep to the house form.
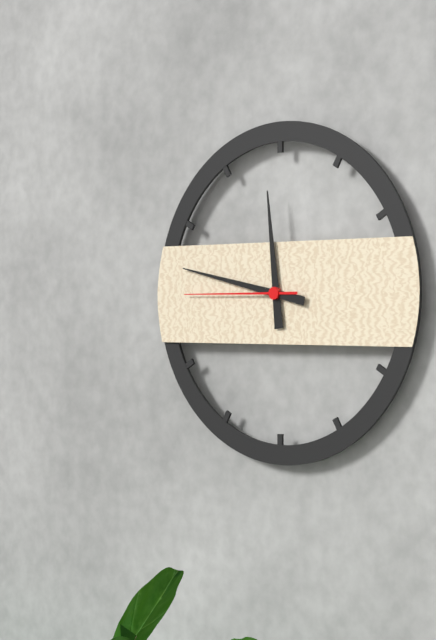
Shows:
11,47,45
